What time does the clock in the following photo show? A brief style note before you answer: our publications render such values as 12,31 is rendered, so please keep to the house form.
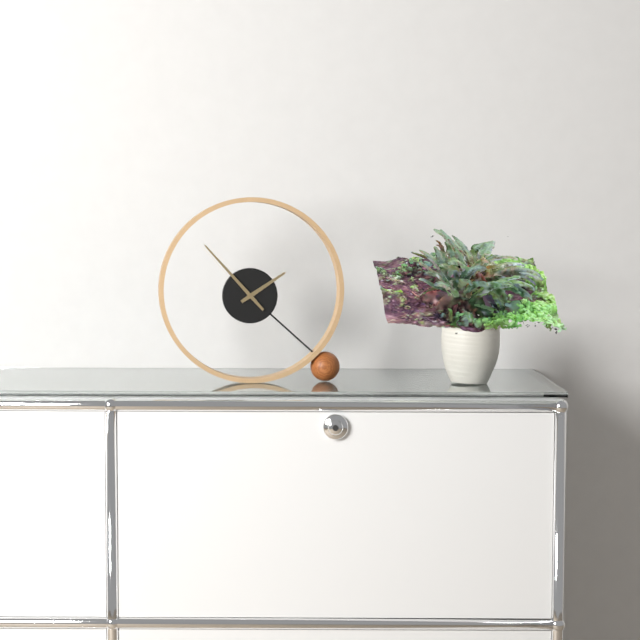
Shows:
1,53
